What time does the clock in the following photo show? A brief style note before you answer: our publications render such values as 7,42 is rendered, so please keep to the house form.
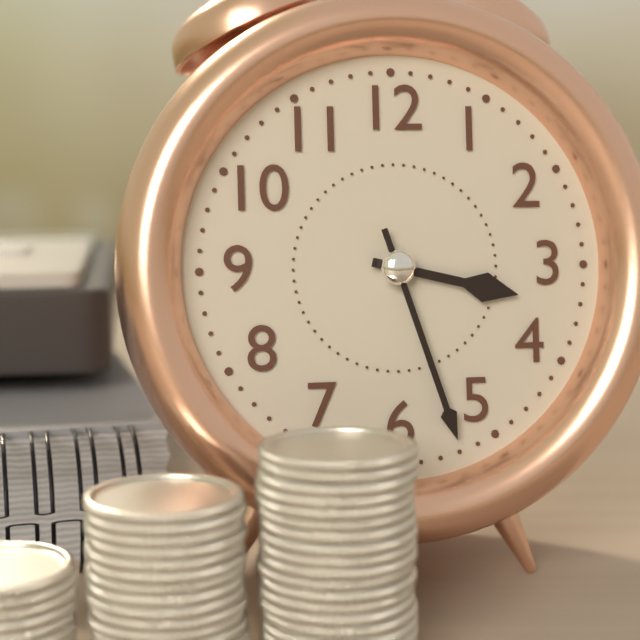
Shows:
3,27
